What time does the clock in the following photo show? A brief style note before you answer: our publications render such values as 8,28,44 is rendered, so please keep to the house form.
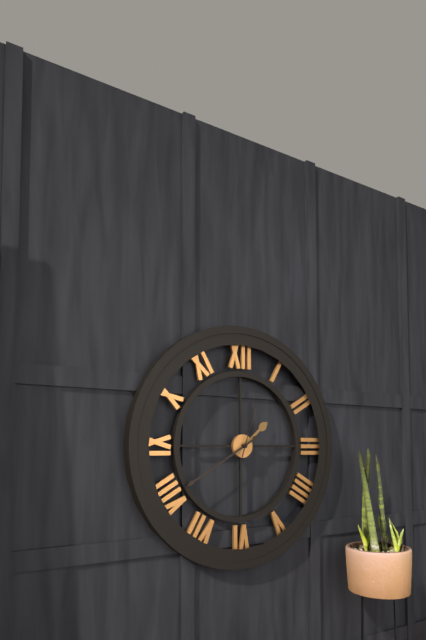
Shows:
1,40,03
